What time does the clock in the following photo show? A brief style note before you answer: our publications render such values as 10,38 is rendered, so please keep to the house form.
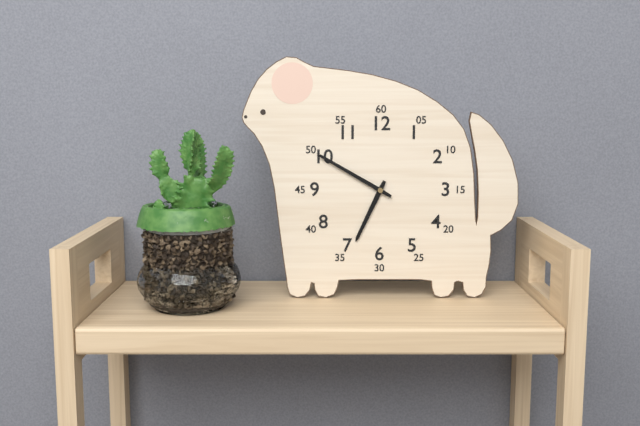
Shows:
6,50
